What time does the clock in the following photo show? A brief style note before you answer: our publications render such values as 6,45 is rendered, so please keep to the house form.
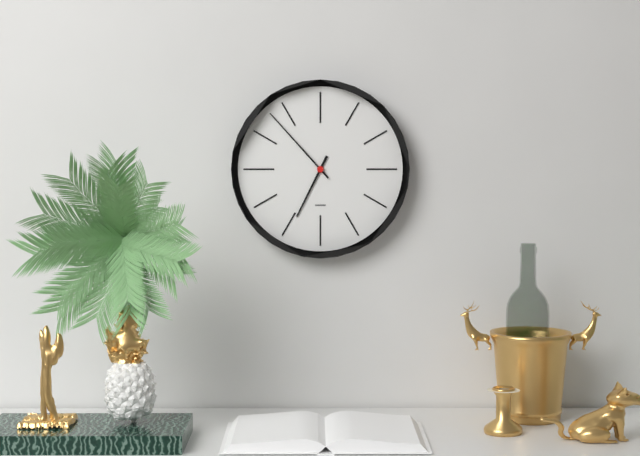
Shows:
6,53
